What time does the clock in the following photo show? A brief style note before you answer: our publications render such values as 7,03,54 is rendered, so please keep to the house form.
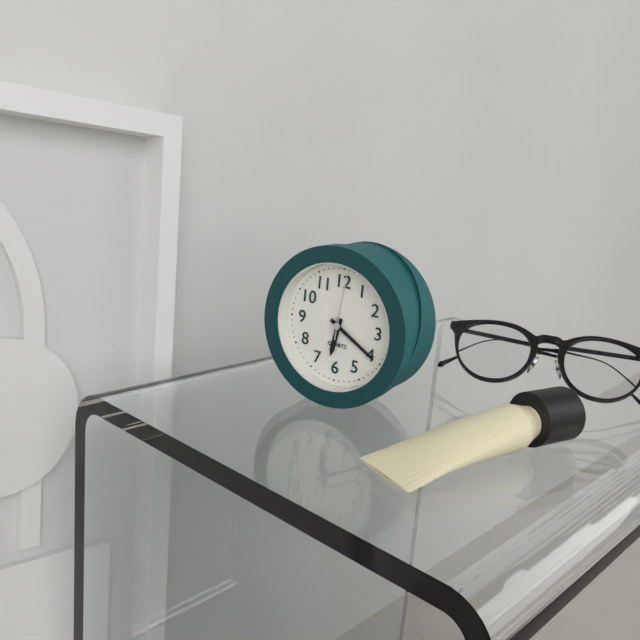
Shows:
6,20,01
